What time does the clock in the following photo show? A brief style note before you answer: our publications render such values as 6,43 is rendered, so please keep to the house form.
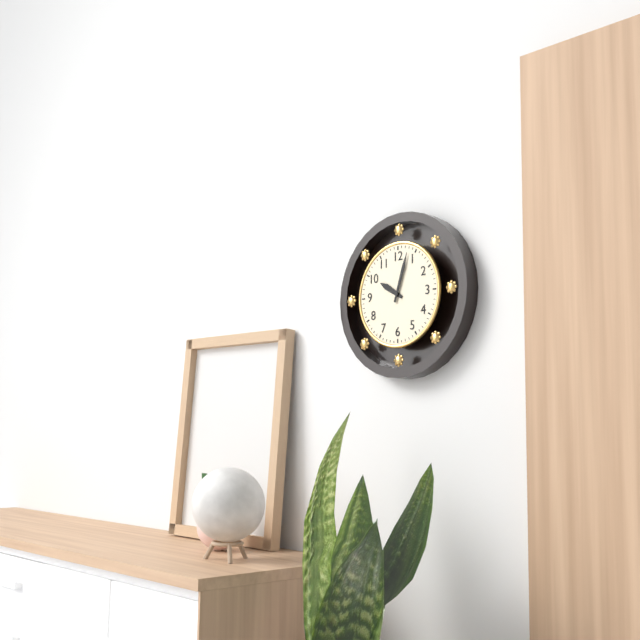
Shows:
10,03
